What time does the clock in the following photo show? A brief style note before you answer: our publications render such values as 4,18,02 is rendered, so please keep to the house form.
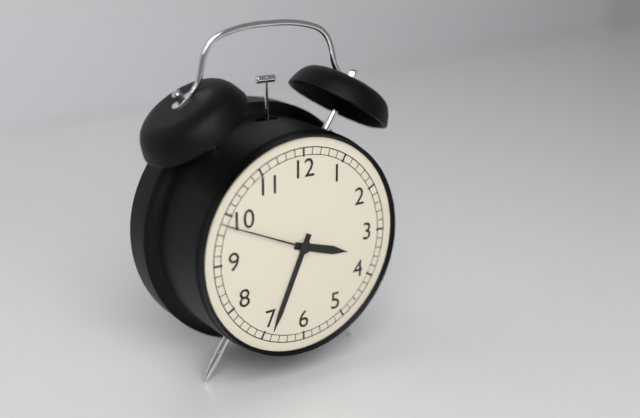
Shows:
3,34,49
